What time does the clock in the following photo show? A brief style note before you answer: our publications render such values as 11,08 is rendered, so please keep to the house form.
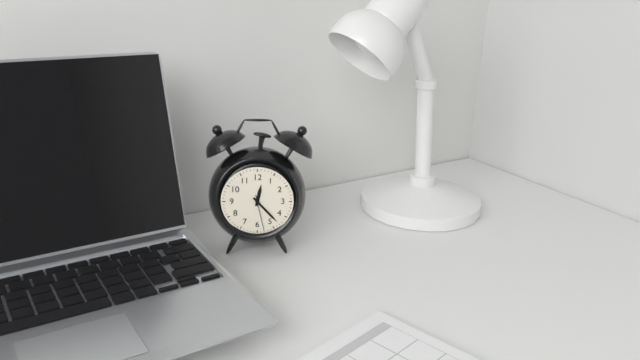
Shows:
12,23
